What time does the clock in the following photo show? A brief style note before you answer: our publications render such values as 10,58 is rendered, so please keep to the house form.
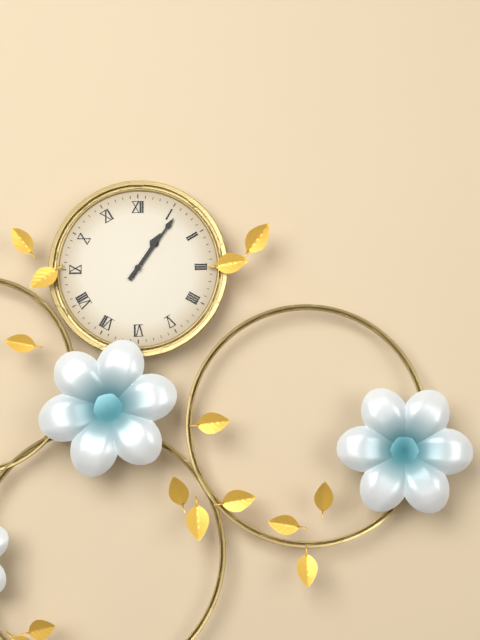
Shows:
1,06
